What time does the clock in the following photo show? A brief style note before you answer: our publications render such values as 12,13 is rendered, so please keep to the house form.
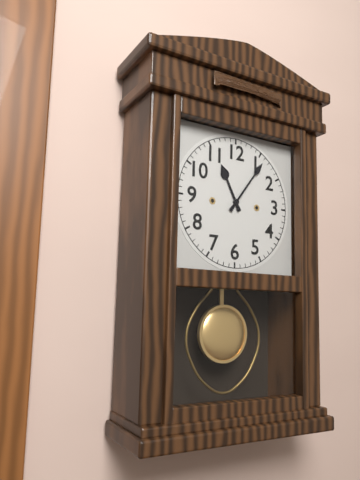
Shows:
11,06
